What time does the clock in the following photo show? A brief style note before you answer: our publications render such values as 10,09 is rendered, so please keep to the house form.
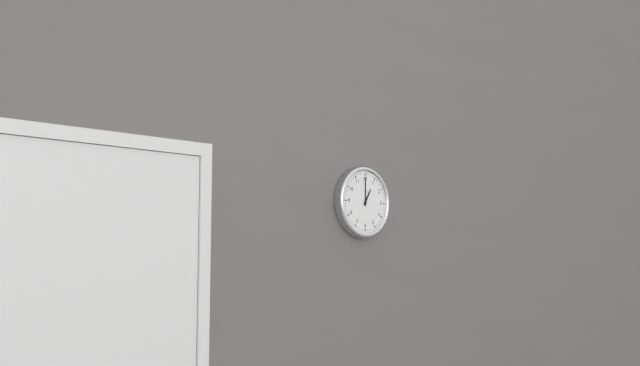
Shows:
1,00
